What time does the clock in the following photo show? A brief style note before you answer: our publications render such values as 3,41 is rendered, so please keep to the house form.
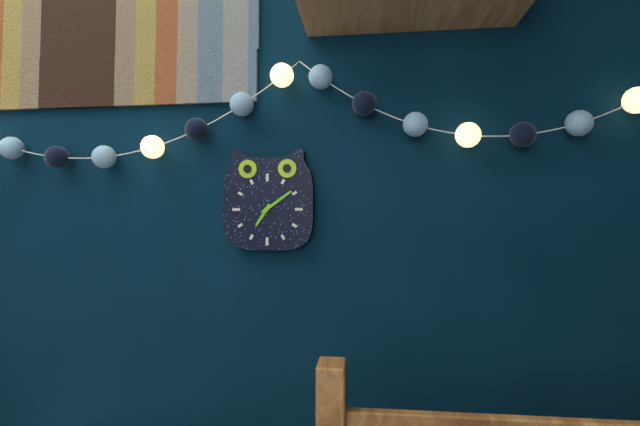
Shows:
7,09
